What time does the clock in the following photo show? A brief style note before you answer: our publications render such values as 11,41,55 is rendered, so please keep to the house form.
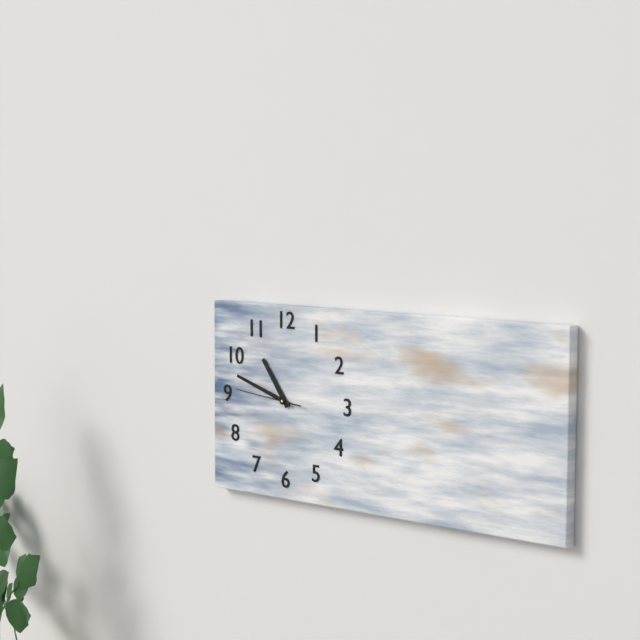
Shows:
10,48,46
